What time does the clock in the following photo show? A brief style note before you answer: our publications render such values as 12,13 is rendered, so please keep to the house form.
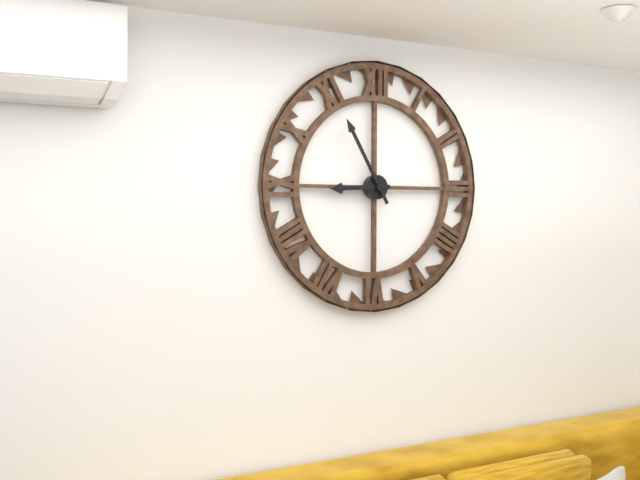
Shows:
8,55
